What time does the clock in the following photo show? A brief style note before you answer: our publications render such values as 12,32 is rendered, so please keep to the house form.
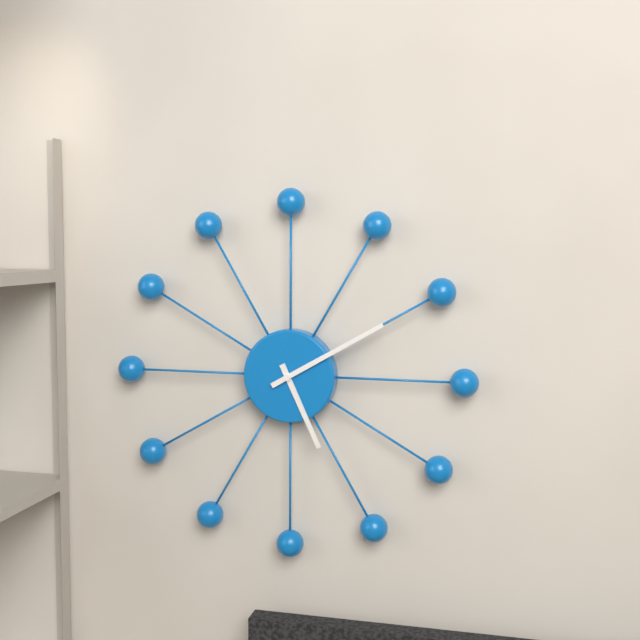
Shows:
5,10
